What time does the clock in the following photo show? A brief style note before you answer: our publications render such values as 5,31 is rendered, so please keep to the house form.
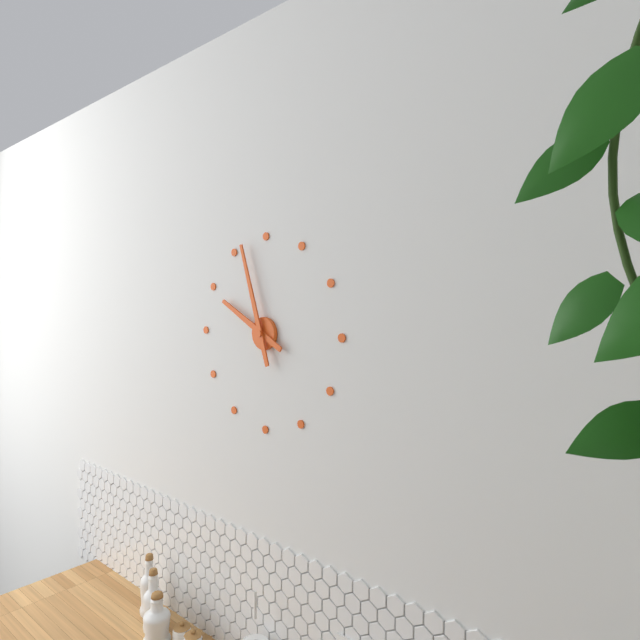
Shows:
9,57
